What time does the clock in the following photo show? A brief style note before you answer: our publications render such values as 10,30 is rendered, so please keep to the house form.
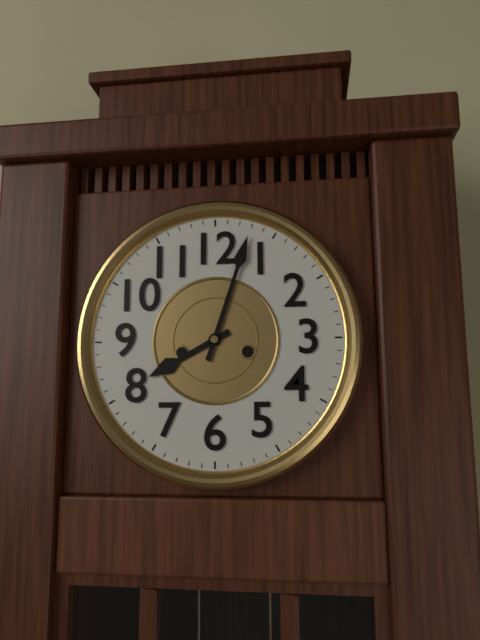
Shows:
8,03
